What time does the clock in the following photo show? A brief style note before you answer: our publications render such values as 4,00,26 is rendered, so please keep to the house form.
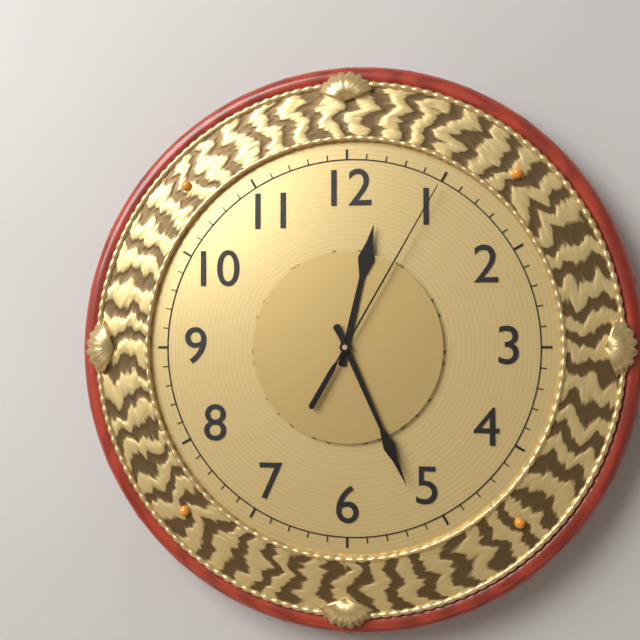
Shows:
12,26,05
